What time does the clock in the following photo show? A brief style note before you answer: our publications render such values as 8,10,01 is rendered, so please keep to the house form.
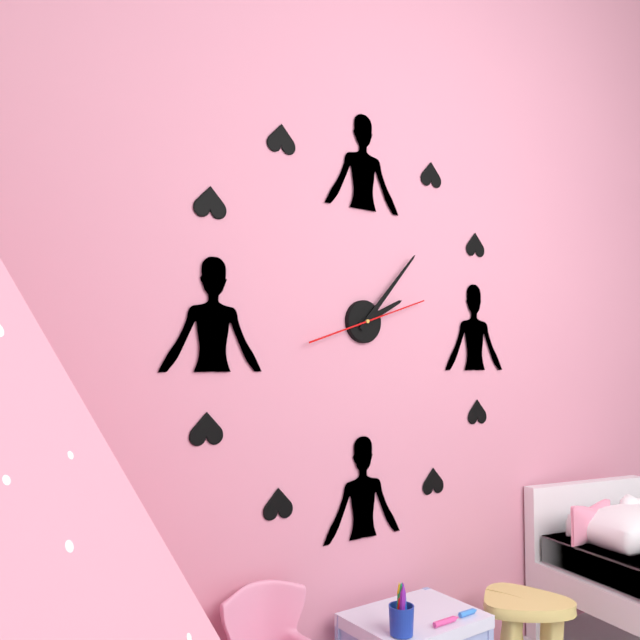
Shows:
2,07,12
